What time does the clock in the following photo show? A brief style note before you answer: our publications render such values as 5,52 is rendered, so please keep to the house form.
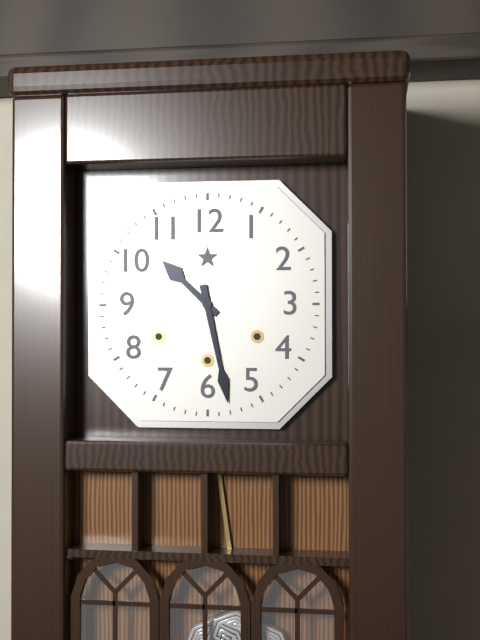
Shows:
10,28
